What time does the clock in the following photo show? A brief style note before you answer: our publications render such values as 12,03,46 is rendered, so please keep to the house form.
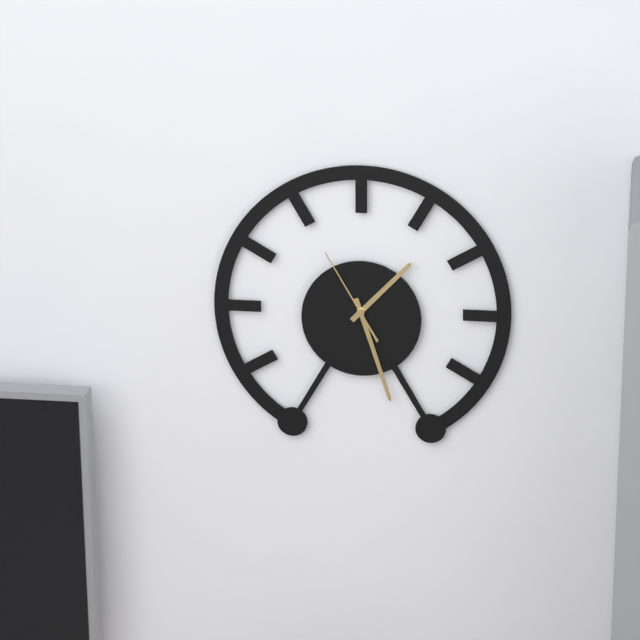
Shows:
1,27,55
